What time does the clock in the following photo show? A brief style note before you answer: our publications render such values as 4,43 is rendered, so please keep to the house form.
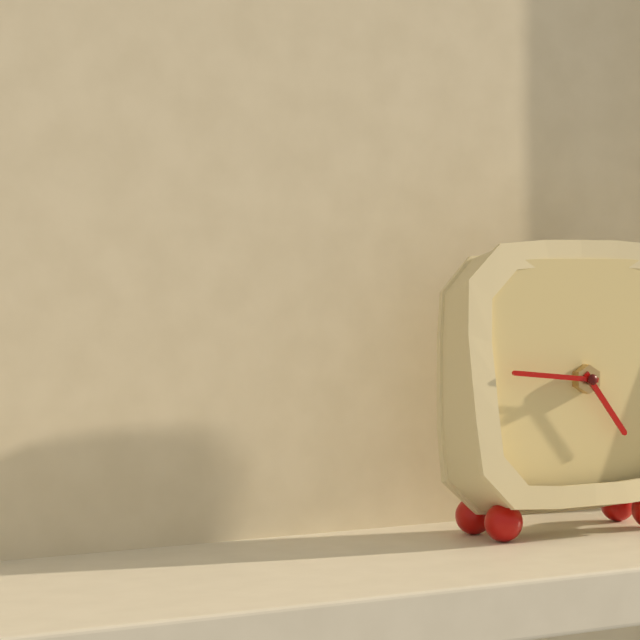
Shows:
4,46
